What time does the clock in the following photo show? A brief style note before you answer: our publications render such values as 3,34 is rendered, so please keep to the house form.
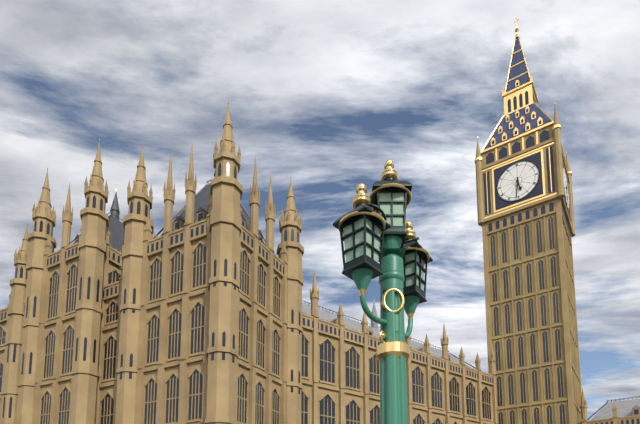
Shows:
5,31
